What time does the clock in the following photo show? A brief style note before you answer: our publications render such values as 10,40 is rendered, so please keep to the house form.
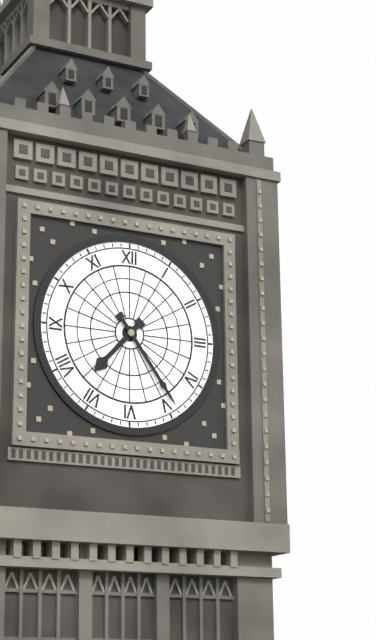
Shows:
7,24
